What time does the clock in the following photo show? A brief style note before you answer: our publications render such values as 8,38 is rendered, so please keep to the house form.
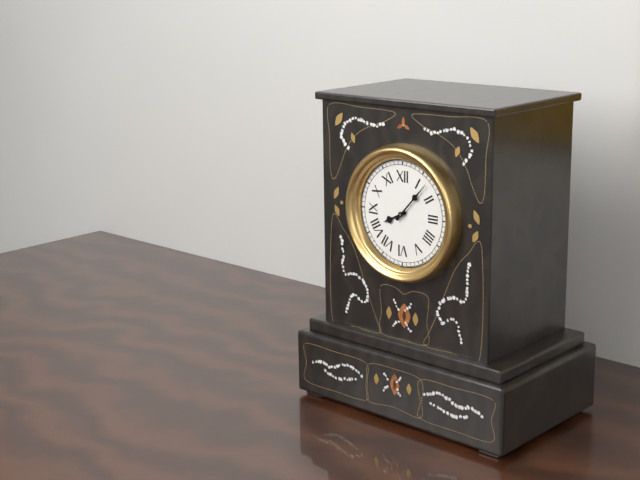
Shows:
8,07
